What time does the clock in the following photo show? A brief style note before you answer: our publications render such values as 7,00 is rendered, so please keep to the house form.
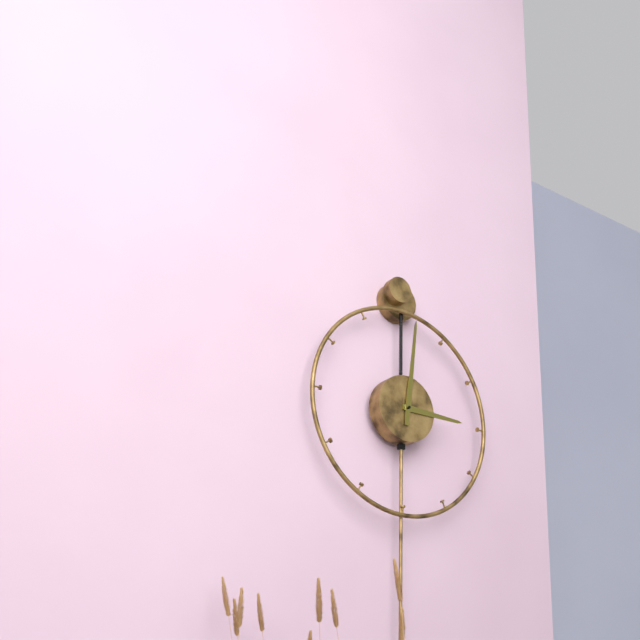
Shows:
3,01
